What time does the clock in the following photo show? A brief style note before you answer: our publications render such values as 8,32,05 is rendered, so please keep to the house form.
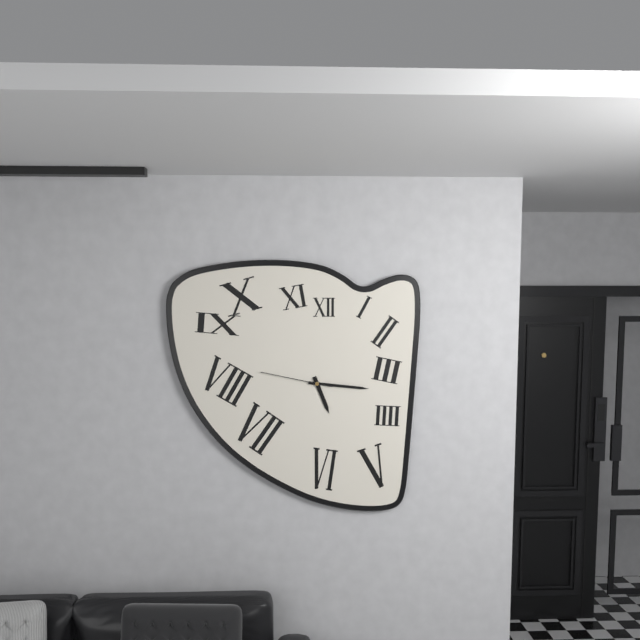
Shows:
5,16,47
